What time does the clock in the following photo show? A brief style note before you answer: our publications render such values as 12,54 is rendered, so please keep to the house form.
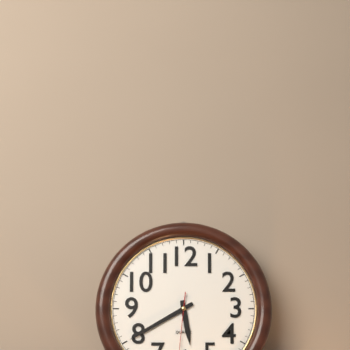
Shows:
5,40
